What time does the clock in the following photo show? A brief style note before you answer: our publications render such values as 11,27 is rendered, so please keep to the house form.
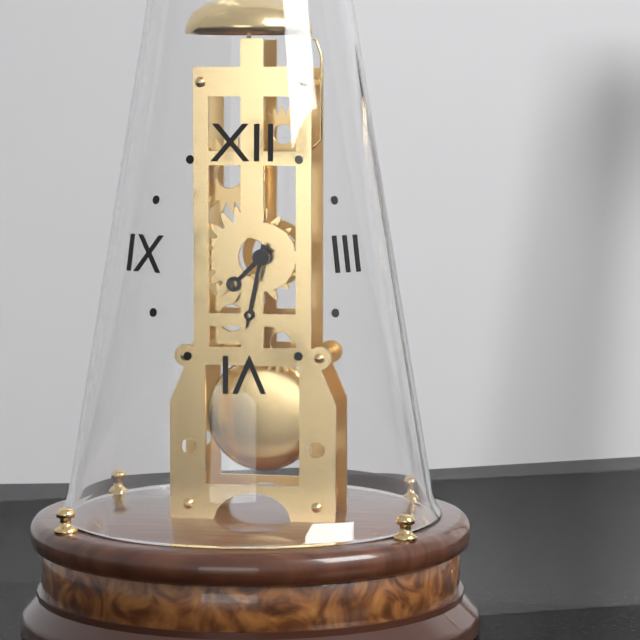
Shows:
7,32
